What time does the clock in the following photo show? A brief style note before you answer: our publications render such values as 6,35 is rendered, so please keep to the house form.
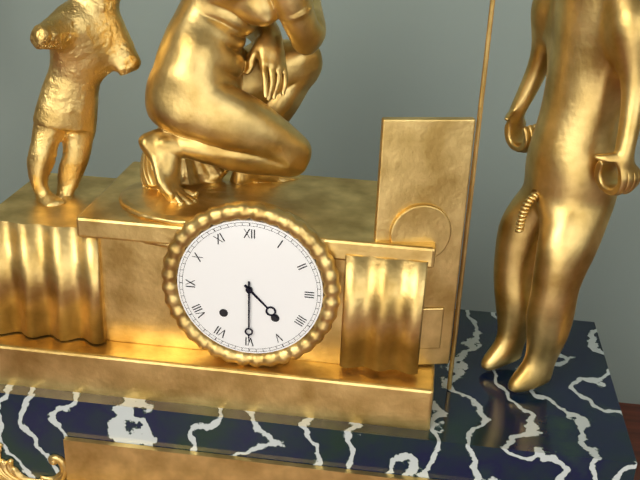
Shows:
4,30
